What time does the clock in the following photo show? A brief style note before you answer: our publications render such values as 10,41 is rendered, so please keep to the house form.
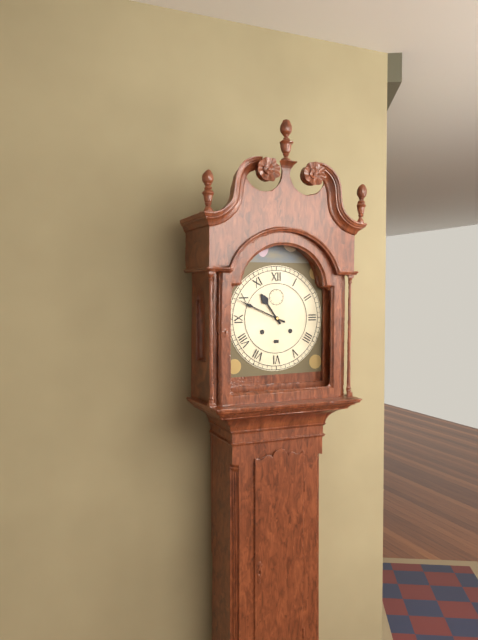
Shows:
10,49
